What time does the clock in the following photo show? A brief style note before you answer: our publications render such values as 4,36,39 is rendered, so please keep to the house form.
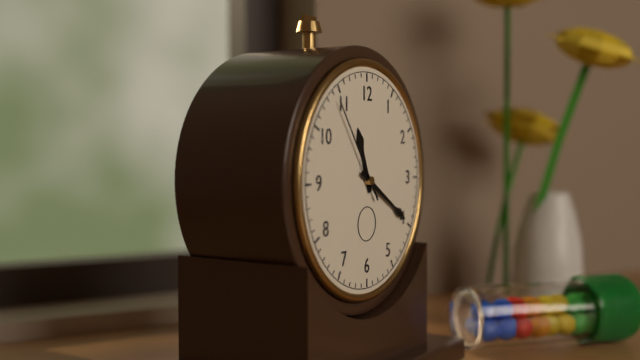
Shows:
11,20,54
